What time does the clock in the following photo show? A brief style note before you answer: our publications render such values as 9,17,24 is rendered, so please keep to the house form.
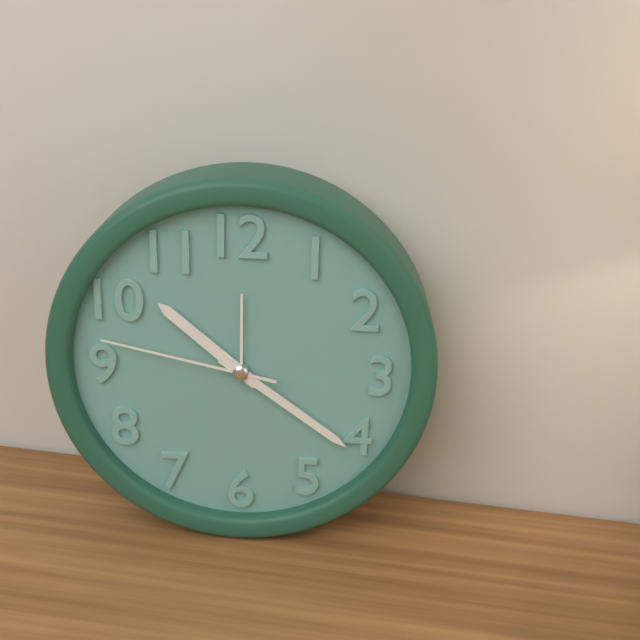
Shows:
10,21,47
